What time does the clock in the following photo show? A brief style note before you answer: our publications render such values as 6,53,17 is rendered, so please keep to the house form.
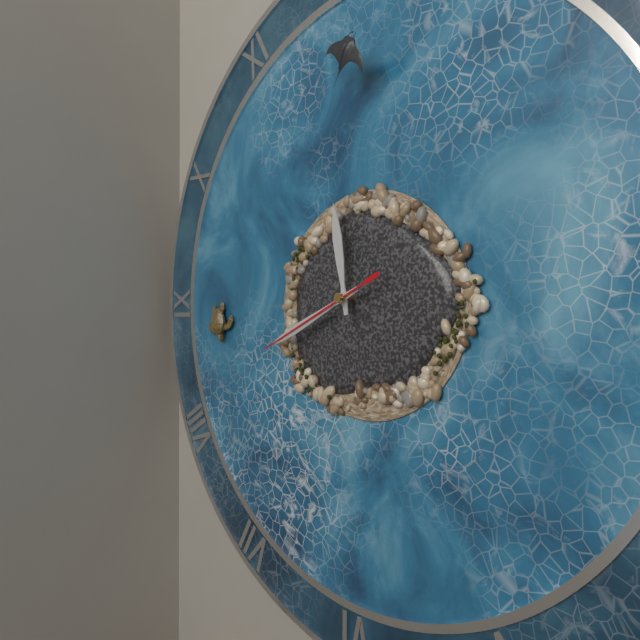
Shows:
11,41,41
